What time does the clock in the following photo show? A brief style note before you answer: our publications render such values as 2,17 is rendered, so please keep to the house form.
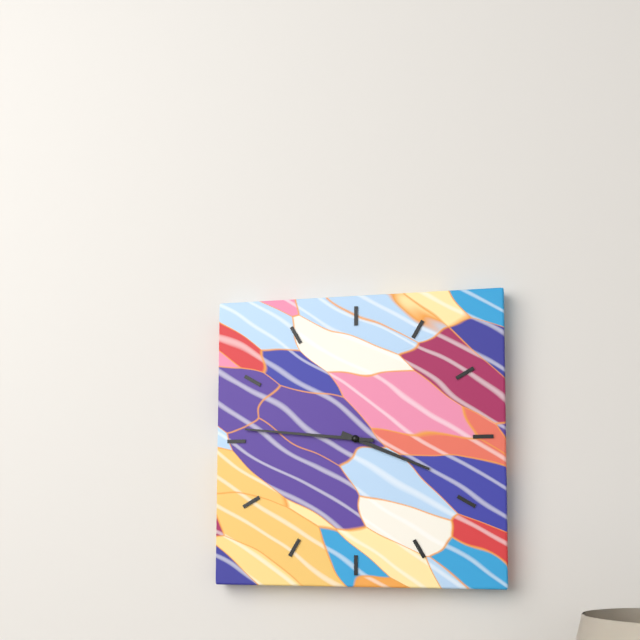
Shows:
3,46
